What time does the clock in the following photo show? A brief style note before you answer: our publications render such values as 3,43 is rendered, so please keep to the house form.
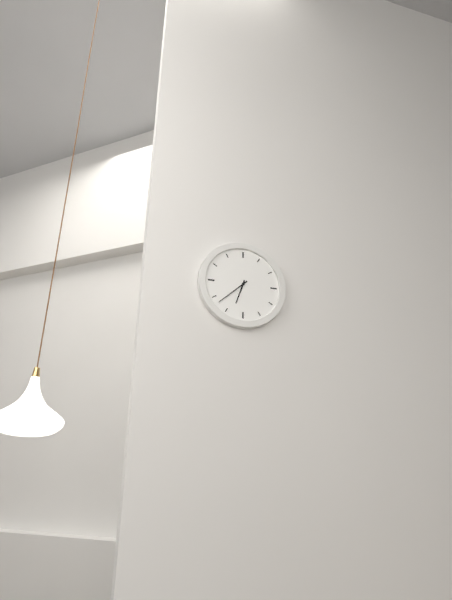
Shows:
6,38
